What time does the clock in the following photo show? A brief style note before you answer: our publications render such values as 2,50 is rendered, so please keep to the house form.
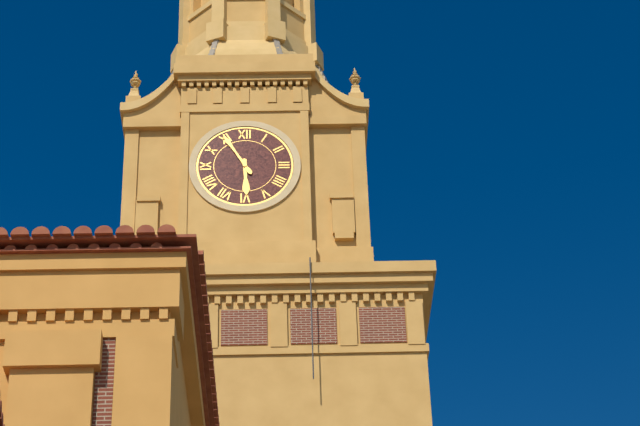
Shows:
5,55
